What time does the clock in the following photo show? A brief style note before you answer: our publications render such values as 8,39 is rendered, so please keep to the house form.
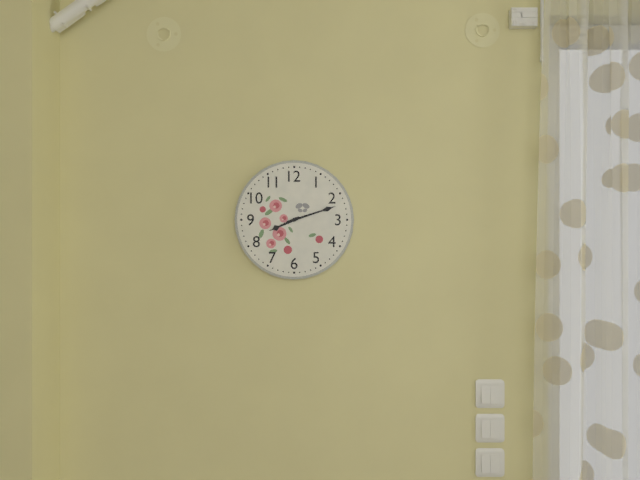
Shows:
8,12
